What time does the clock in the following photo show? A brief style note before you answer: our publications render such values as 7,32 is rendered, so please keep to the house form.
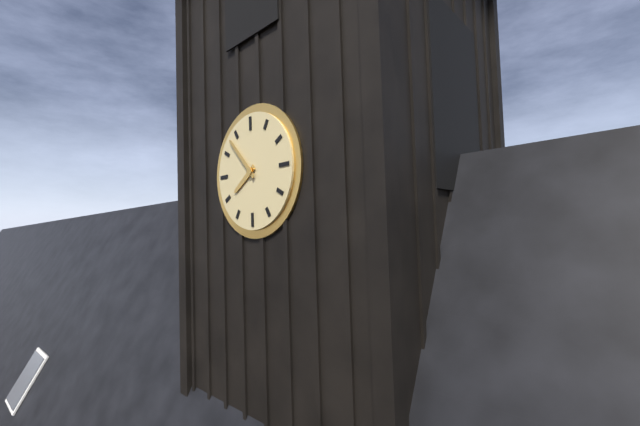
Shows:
7,53
